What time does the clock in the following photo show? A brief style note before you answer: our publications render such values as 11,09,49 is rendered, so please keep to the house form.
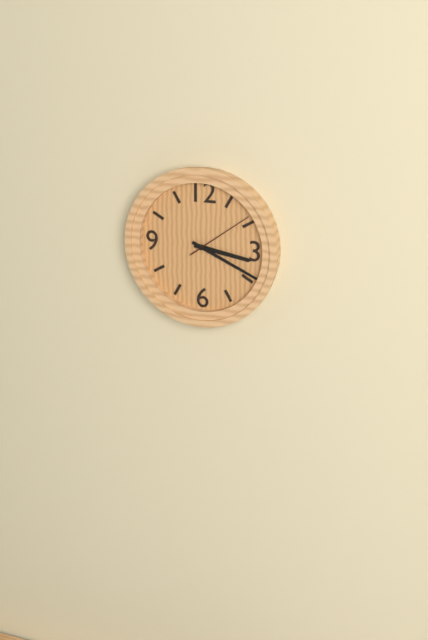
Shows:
3,19,09
